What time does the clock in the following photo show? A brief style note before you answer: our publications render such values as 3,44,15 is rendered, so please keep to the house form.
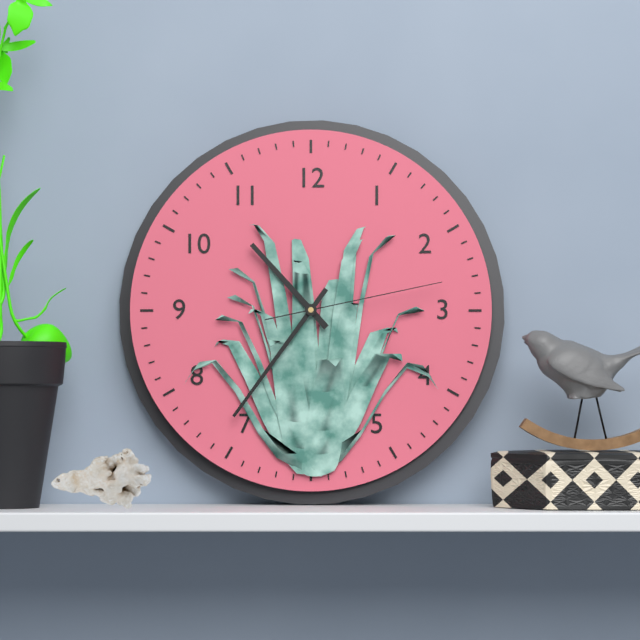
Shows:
10,36,13
